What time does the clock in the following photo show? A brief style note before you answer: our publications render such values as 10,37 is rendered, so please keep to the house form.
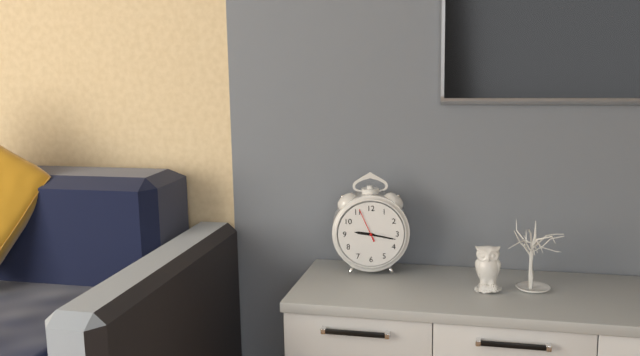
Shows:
9,17
